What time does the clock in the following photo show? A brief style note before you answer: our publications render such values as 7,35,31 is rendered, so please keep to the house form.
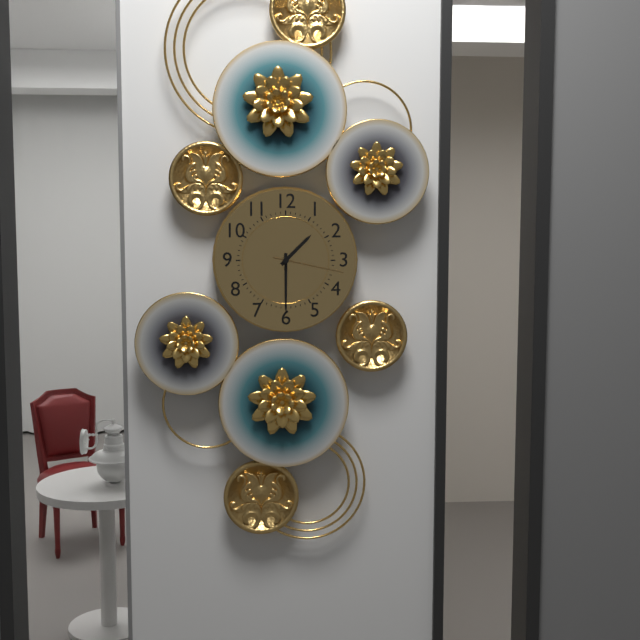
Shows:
1,30,17
